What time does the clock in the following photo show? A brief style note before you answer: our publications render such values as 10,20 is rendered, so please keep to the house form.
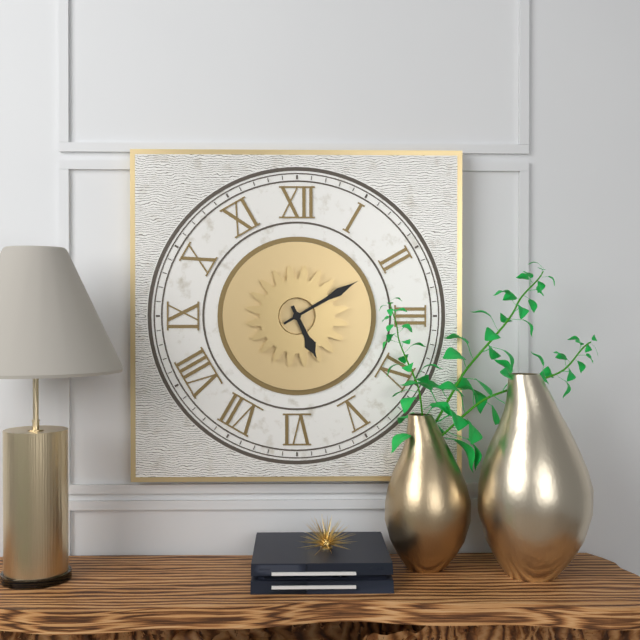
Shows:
5,10
